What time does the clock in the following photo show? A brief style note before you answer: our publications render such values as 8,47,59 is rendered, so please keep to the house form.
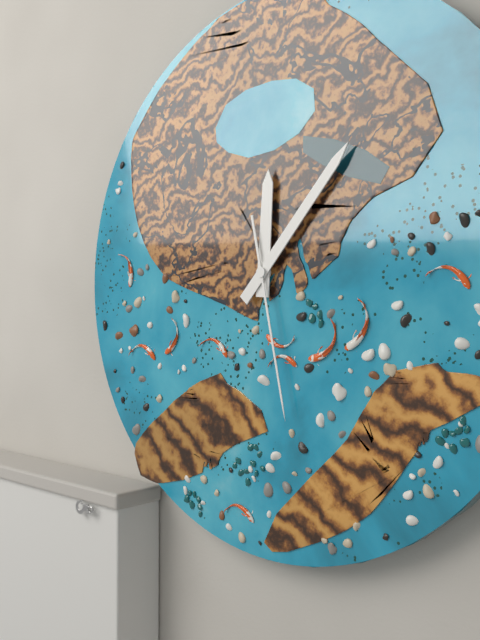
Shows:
12,07,28
